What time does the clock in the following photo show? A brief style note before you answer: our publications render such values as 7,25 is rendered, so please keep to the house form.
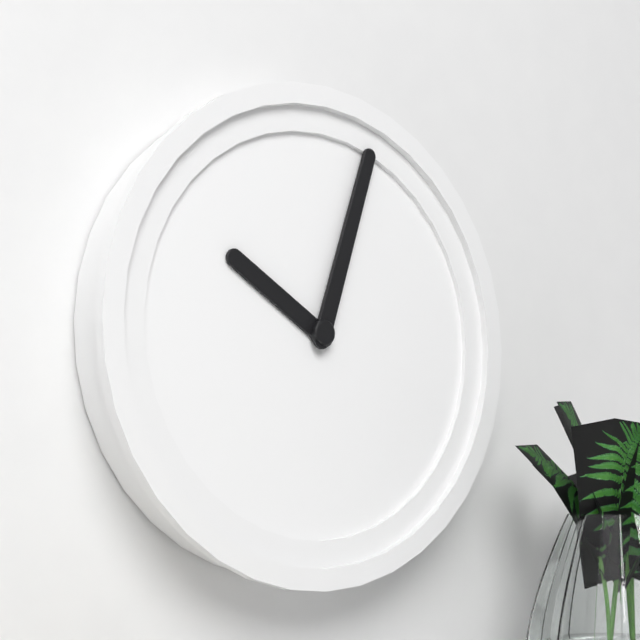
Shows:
10,03
